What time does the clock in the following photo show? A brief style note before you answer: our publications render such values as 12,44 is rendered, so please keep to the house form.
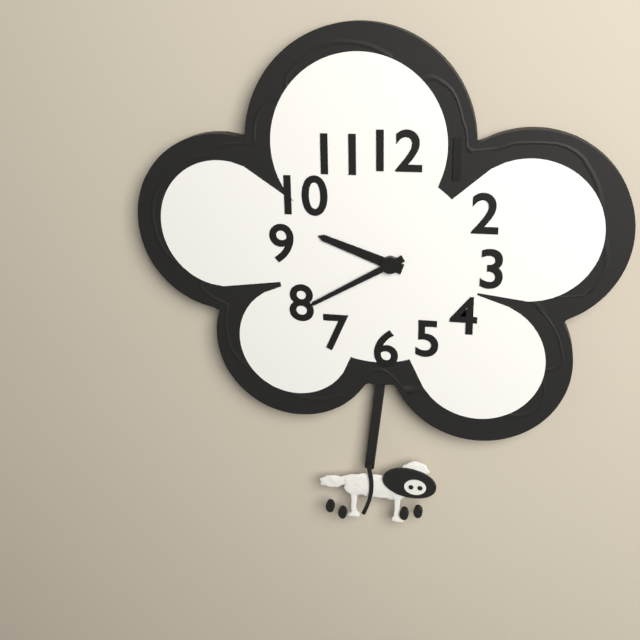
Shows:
9,40
